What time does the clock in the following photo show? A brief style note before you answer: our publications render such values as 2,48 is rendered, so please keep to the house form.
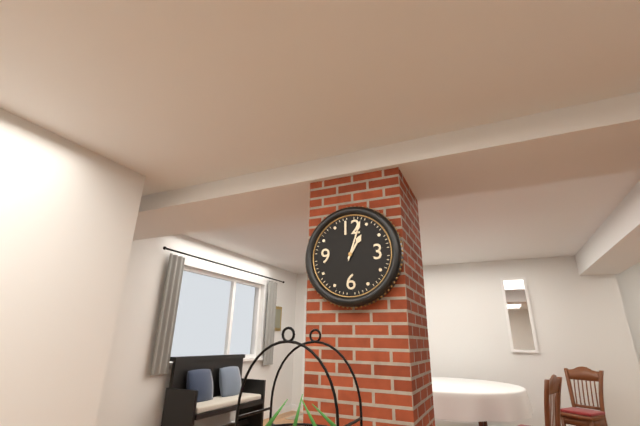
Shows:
1,03
